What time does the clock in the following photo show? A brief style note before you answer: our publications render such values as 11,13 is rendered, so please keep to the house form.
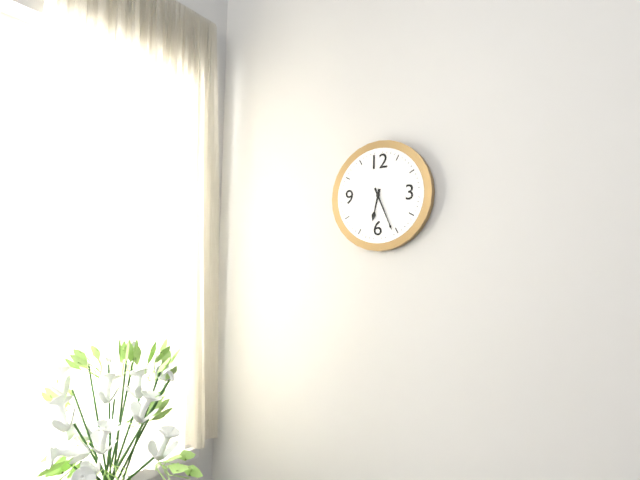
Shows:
6,26
